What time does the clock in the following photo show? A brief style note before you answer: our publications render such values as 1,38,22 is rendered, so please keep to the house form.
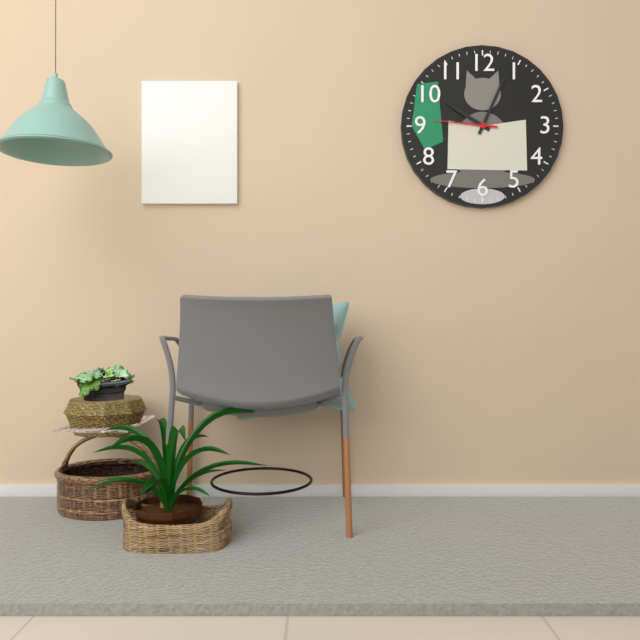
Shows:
10,04,46
